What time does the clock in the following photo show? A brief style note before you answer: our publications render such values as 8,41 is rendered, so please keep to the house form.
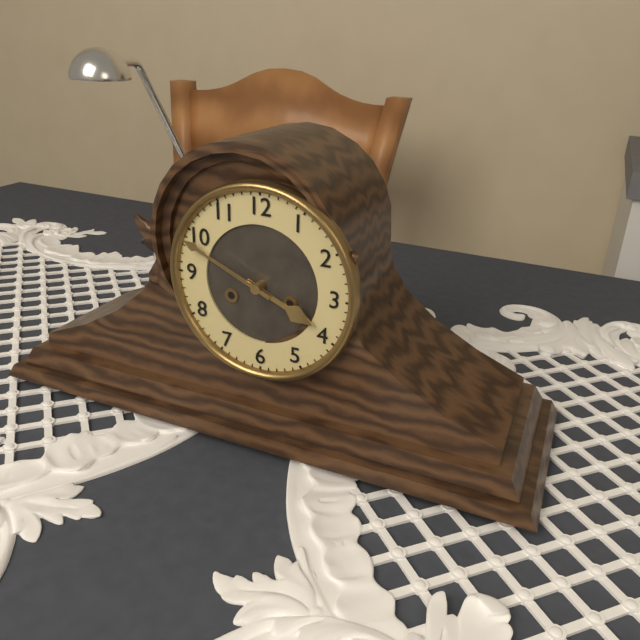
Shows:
3,49
